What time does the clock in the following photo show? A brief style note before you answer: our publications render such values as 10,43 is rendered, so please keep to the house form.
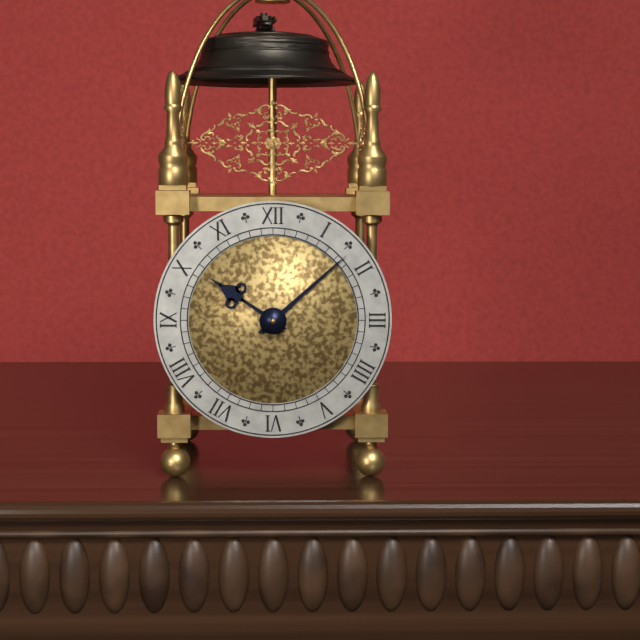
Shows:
10,08
